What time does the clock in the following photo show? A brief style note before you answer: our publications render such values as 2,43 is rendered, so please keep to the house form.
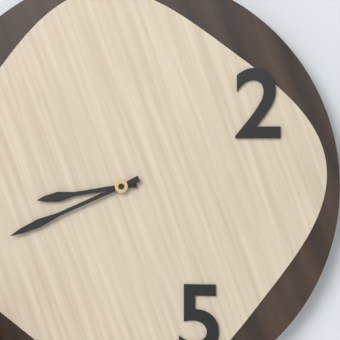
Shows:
8,41
